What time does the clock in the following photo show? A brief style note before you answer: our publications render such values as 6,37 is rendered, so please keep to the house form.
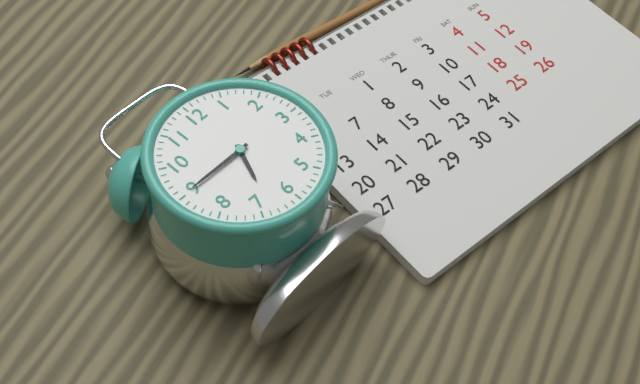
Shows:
6,45
